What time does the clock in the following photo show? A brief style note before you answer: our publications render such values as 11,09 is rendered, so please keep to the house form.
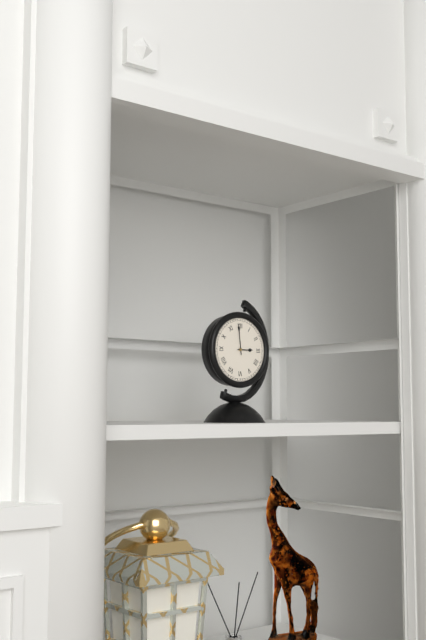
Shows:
2,59
